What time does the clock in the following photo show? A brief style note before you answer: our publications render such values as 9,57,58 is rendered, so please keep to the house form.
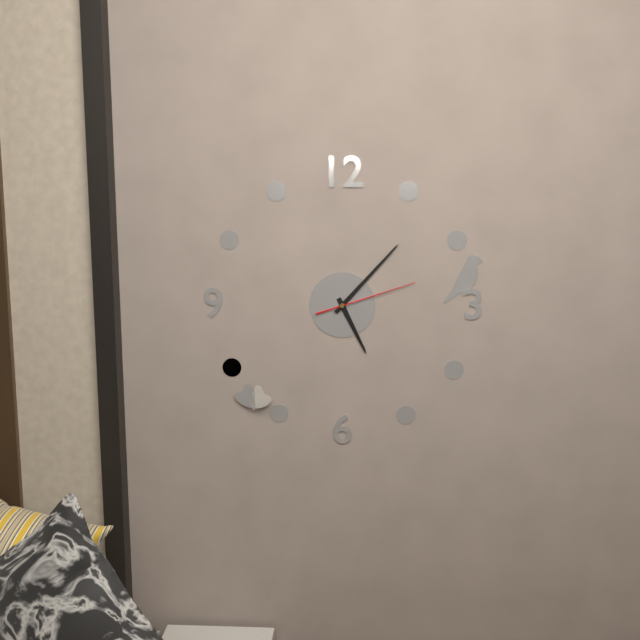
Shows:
5,07,12
